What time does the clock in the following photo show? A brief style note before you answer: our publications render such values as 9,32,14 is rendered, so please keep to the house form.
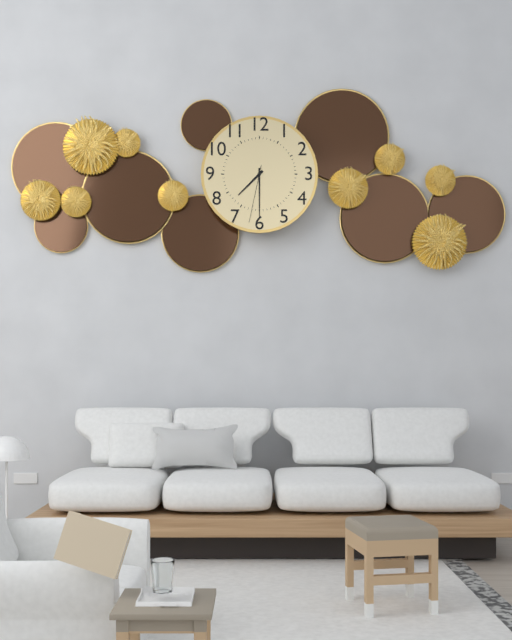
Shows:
7,30,32
